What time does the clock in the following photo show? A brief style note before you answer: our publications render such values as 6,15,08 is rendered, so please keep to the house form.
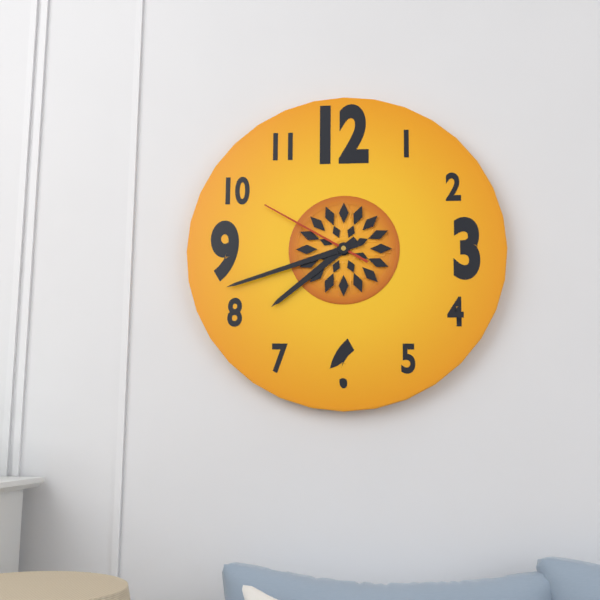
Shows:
7,42,50
